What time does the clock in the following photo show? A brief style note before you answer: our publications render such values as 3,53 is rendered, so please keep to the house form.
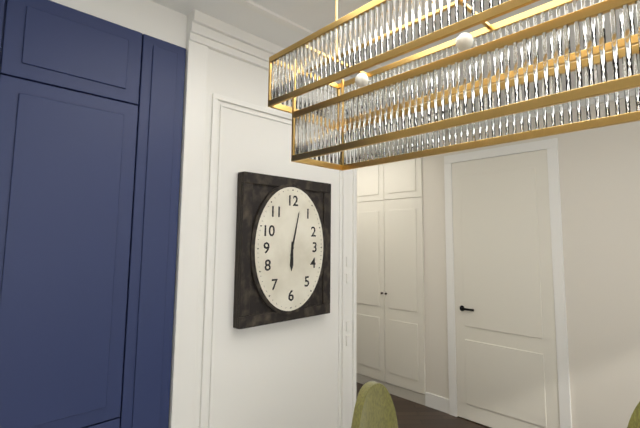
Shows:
6,02
